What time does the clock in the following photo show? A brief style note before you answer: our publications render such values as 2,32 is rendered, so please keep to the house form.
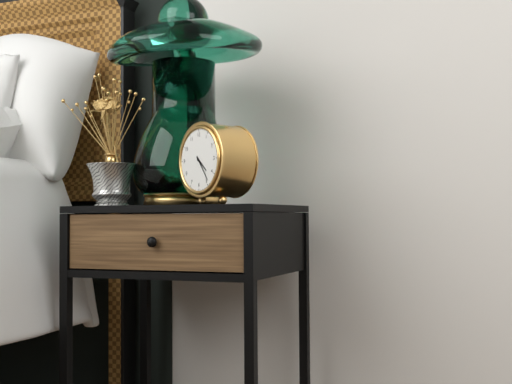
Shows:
4,24
